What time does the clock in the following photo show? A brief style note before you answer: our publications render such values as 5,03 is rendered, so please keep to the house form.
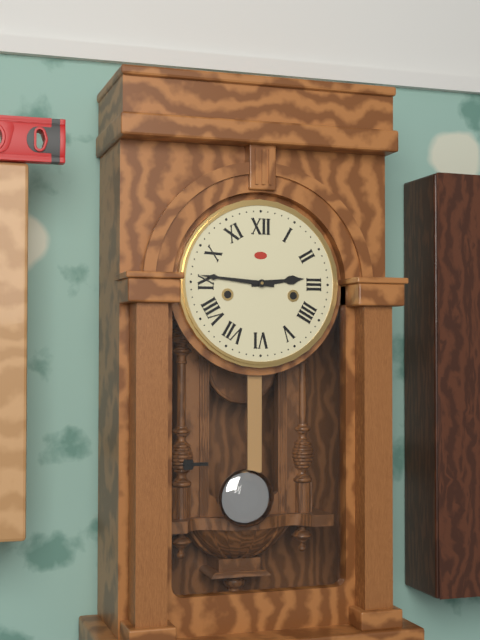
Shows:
2,46
